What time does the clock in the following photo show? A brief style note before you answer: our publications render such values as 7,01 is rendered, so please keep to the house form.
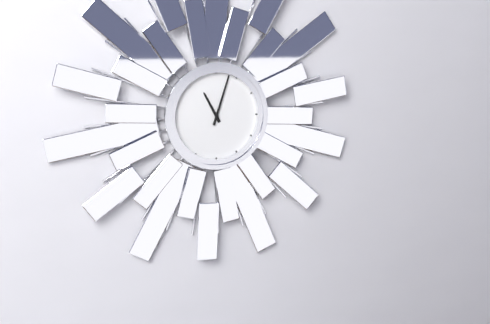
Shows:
11,03
